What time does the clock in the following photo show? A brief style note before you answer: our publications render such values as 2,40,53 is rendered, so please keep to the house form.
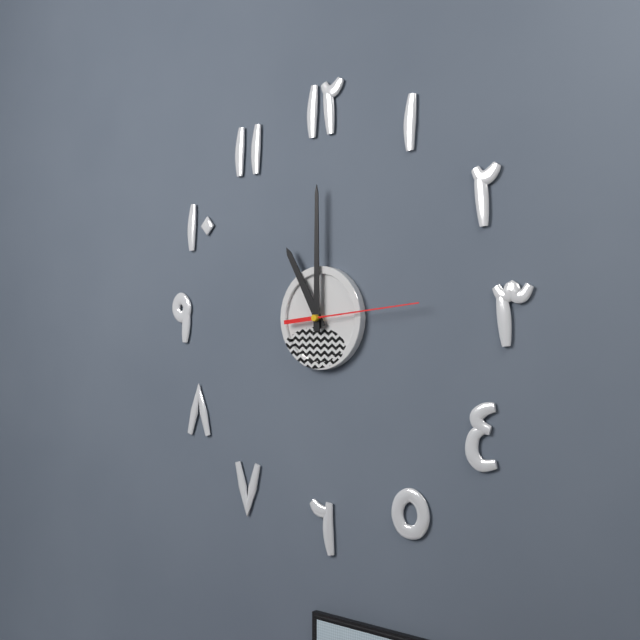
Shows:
11,00,14
